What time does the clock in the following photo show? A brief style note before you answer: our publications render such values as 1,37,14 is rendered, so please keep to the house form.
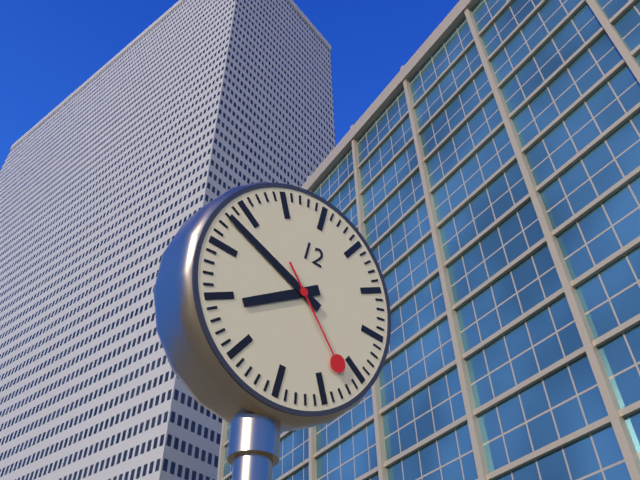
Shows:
7,48,22
